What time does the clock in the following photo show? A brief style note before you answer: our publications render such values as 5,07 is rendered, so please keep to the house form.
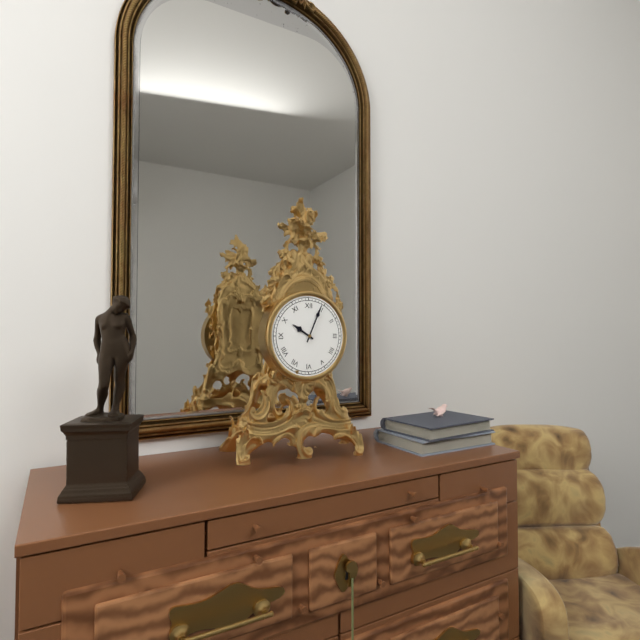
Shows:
10,04
